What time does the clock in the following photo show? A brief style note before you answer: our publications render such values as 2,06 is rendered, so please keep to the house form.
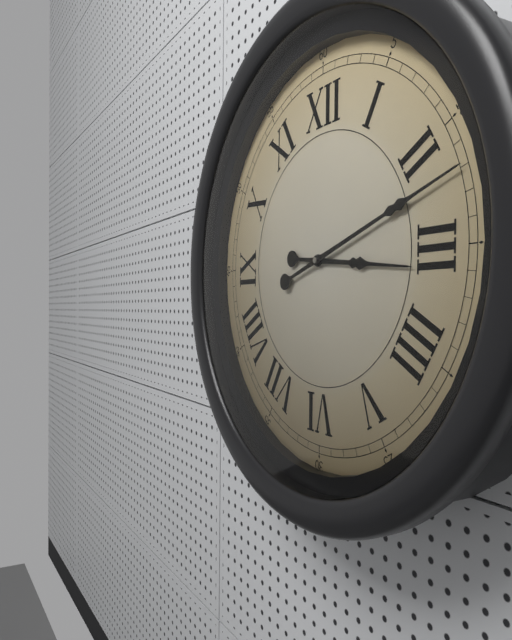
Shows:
3,12
